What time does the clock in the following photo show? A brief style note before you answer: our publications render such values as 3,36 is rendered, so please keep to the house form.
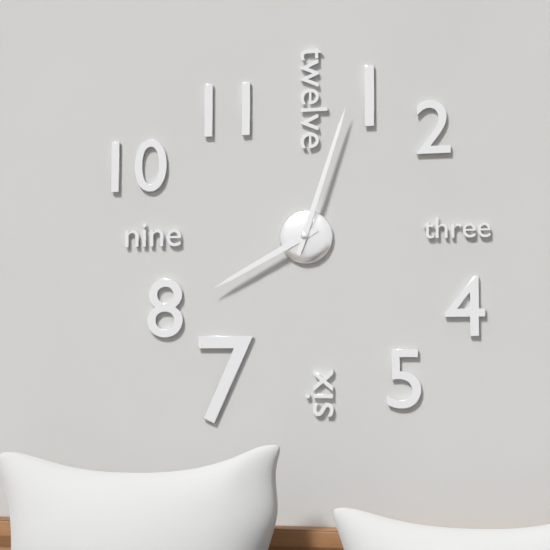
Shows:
8,03
